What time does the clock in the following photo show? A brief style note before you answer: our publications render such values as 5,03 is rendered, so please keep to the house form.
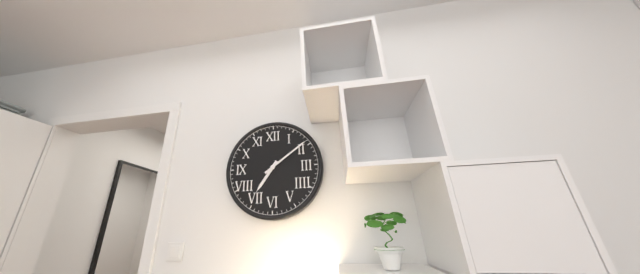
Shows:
7,09
